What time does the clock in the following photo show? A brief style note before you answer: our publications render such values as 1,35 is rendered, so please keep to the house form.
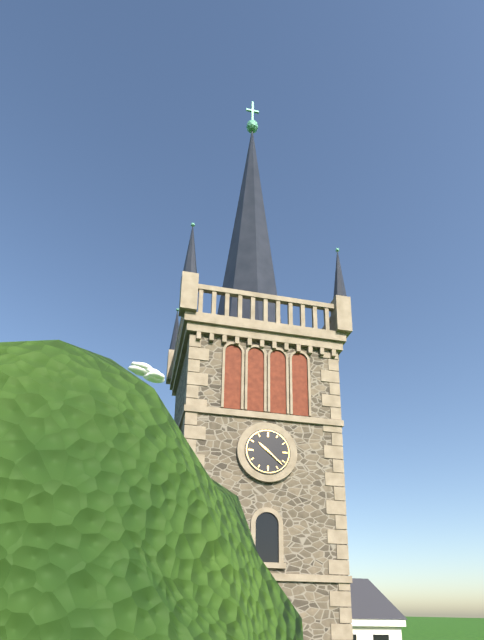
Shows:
10,22
